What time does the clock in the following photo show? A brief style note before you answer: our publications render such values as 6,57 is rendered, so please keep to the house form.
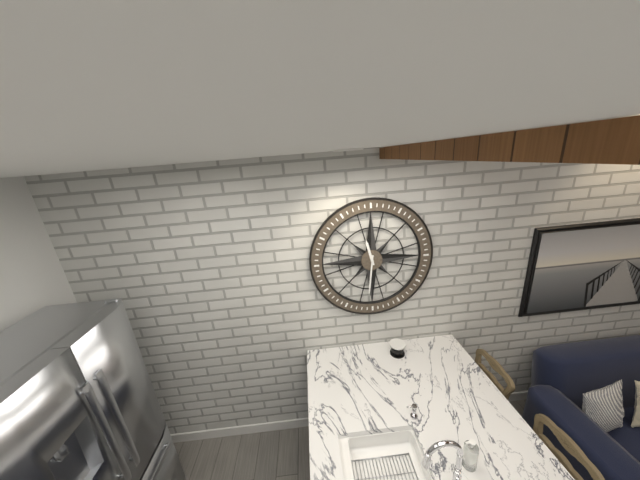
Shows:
11,31
